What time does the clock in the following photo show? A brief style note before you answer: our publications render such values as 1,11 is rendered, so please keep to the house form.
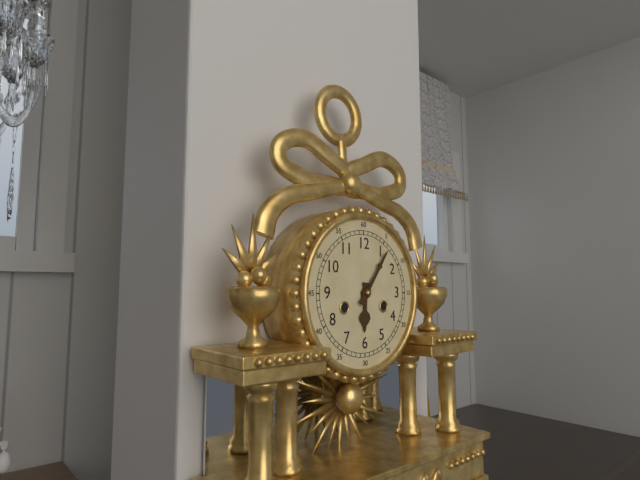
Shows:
6,06
